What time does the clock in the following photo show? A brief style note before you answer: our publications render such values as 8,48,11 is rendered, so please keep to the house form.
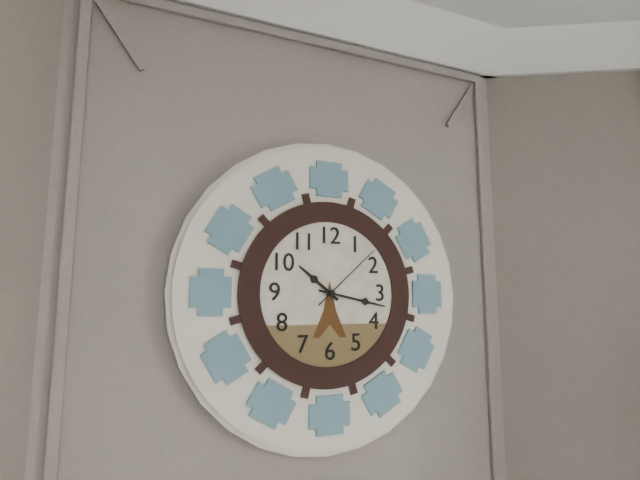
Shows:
10,17,08
